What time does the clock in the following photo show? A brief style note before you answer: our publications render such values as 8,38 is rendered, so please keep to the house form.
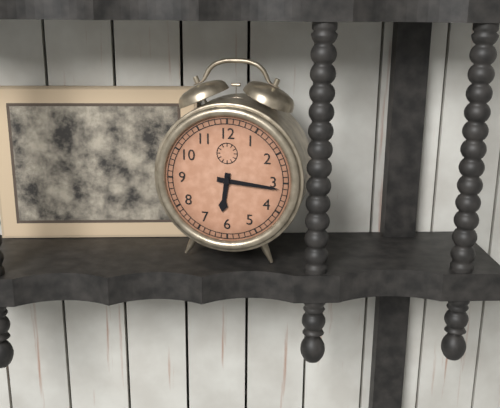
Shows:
6,16
